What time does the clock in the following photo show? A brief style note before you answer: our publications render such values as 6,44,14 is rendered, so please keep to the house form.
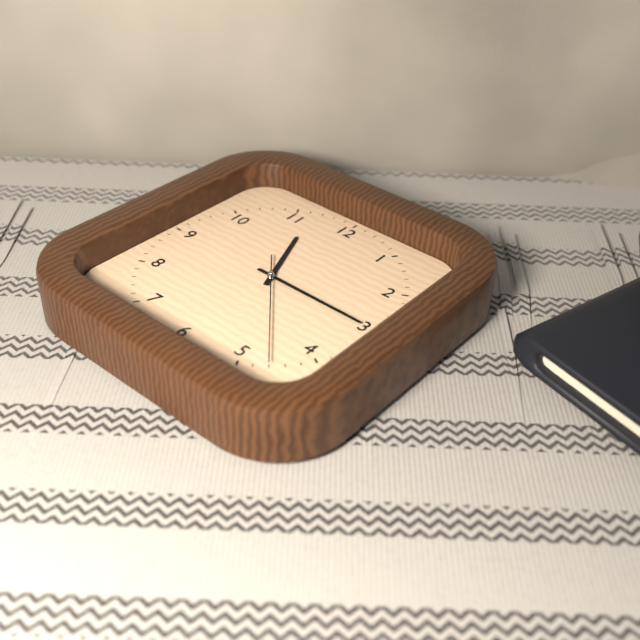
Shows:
11,15,23
